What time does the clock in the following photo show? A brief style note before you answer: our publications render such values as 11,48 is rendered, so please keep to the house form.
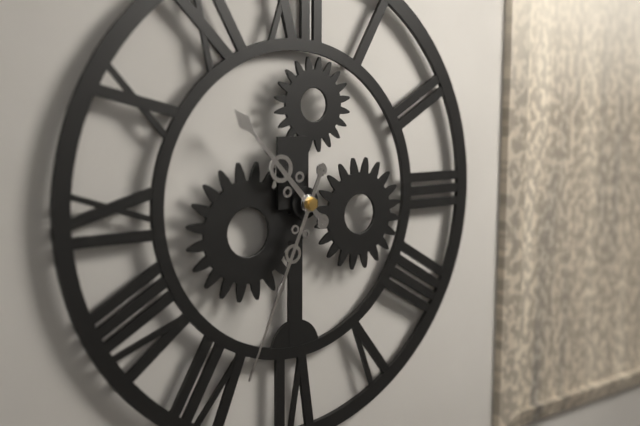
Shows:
10,34
